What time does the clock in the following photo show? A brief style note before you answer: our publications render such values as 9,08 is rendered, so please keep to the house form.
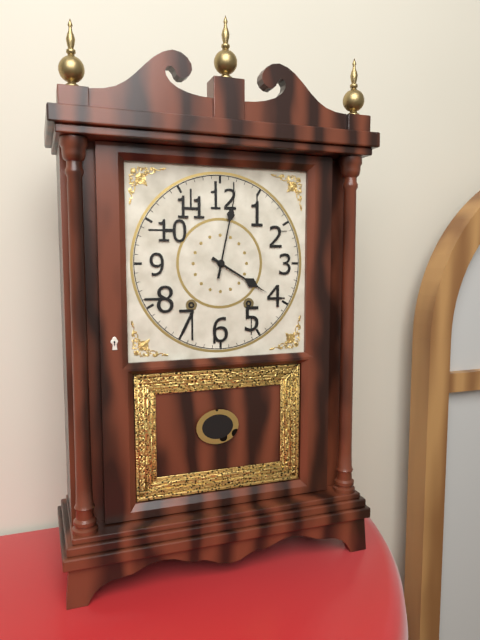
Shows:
4,02
